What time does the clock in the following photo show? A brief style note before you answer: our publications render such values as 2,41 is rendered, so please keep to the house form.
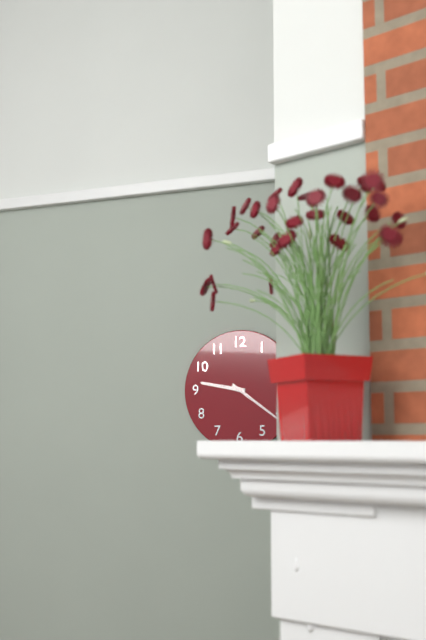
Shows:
9,21
